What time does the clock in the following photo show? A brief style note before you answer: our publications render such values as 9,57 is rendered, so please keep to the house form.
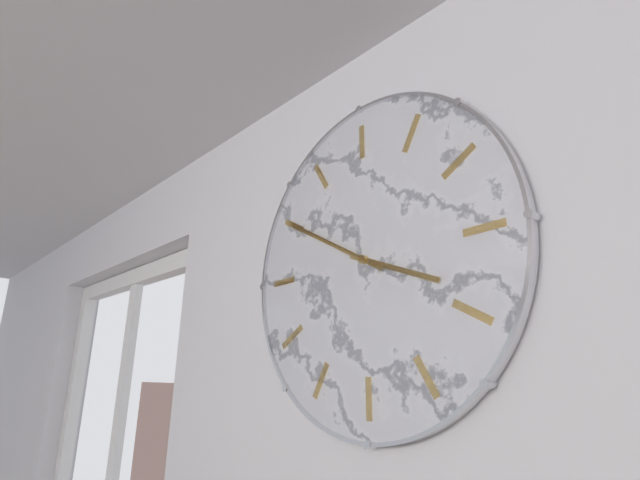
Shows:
2,45
